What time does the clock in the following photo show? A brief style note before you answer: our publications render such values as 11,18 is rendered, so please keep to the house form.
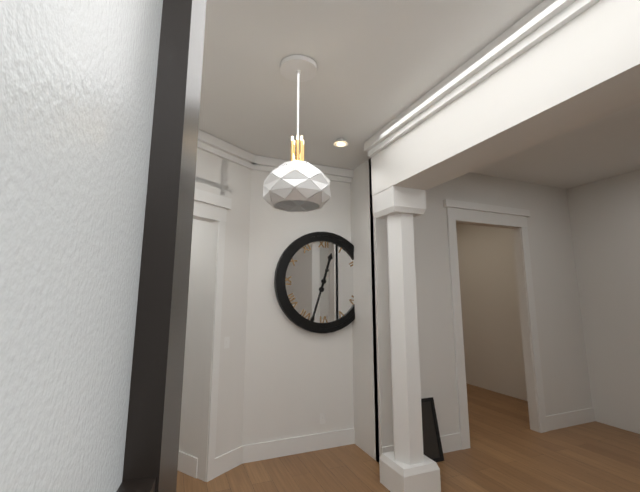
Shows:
12,33
